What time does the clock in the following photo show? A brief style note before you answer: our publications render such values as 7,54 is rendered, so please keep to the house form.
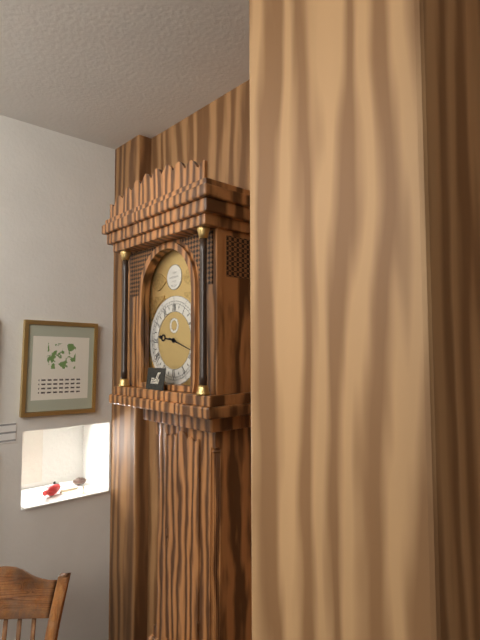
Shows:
9,18
